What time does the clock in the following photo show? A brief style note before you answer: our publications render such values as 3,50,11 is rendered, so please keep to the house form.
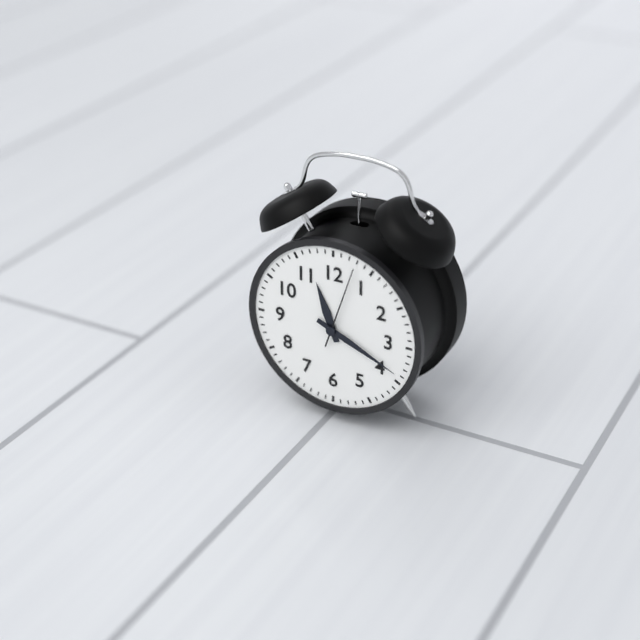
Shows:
11,19,03
